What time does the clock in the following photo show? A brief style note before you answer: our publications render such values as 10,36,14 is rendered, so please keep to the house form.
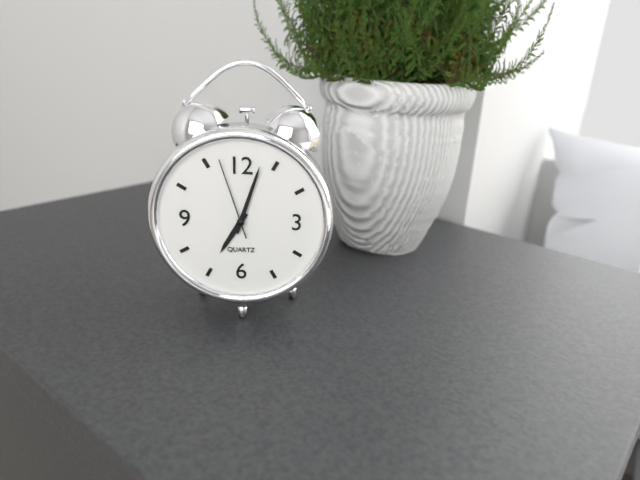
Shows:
7,03,57
